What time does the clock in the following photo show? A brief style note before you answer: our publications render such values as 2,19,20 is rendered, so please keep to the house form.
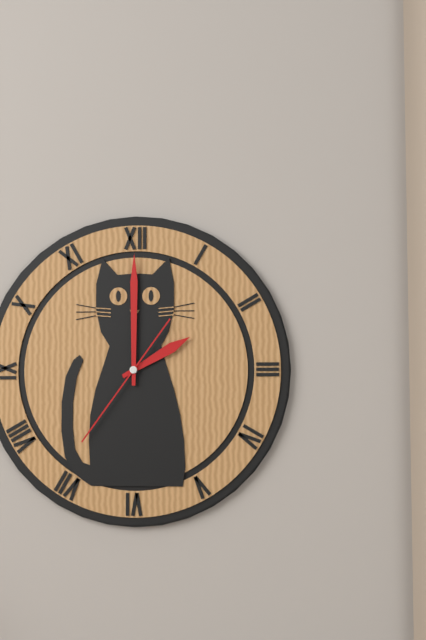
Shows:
2,00,36
